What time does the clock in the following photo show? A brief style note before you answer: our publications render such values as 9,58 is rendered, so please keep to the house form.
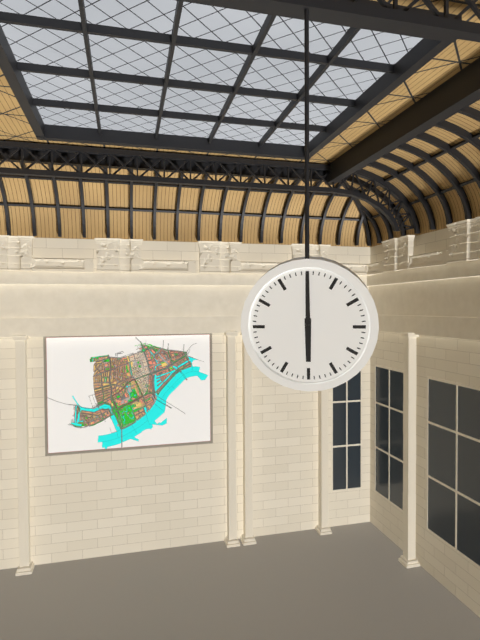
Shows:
6,00
